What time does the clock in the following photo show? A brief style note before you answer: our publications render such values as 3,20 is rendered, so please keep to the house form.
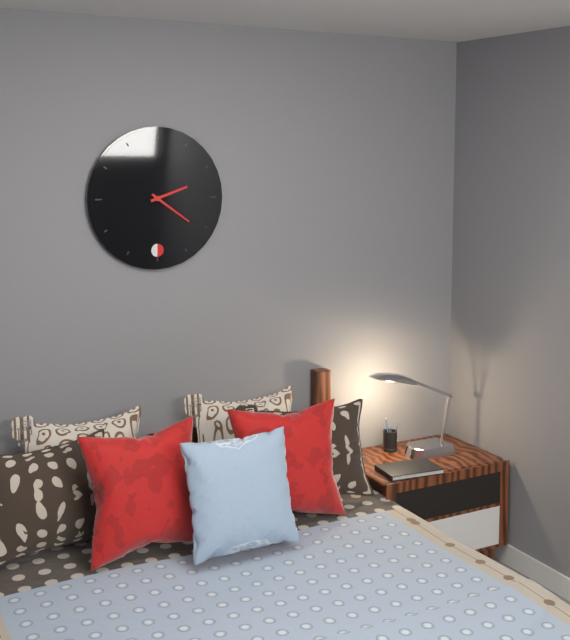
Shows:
2,21
